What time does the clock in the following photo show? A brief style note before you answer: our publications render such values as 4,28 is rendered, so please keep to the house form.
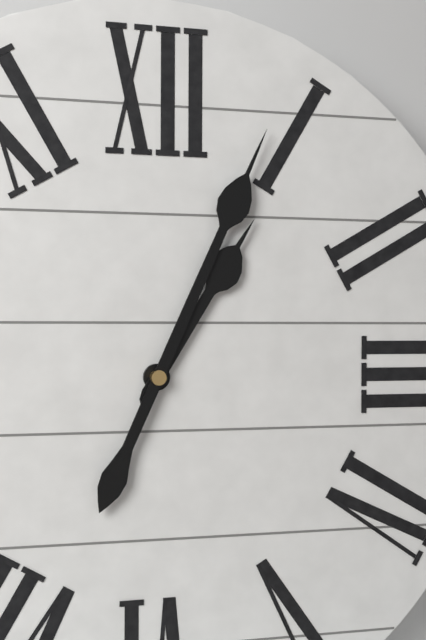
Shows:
1,04
